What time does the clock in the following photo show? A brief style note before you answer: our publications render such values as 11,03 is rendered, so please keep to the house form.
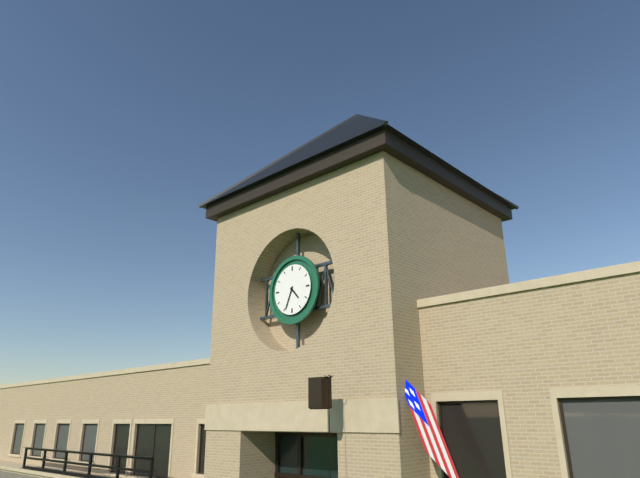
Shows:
4,34
